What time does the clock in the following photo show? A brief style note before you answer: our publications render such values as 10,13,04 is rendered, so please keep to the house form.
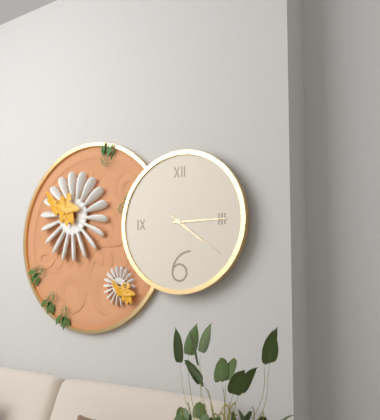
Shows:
4,15,21
